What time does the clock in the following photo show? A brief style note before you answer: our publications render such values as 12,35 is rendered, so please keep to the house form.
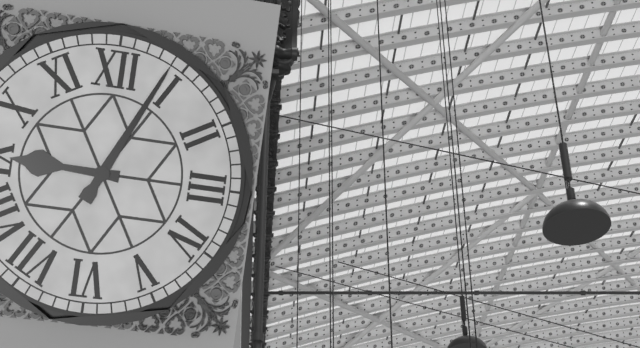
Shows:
9,04
